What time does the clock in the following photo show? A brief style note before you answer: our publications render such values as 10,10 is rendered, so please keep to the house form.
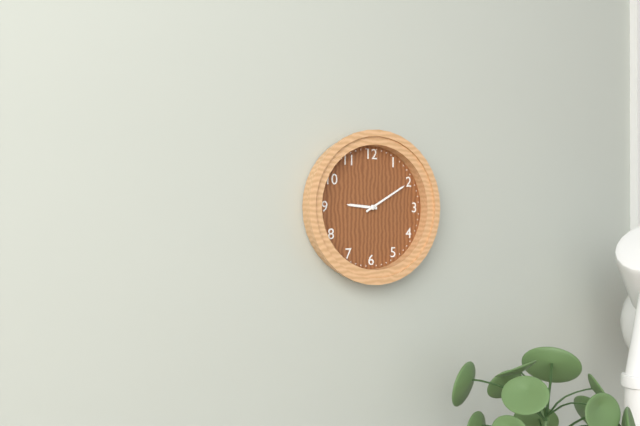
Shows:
9,10
